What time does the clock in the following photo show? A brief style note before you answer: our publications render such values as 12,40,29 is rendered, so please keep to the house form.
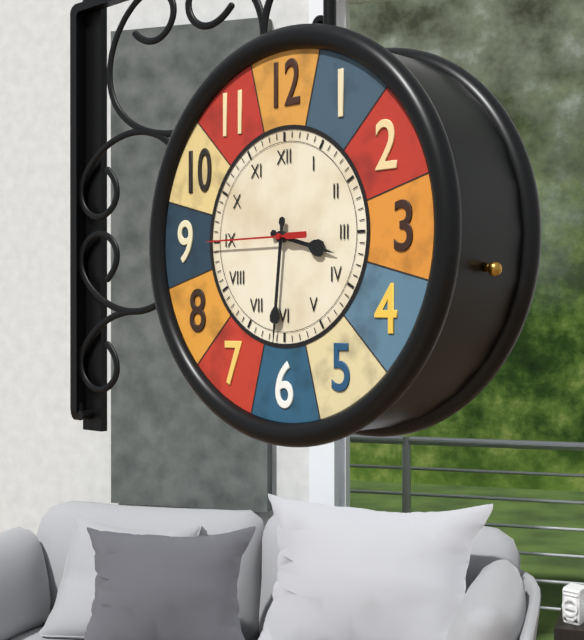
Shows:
3,31,45
